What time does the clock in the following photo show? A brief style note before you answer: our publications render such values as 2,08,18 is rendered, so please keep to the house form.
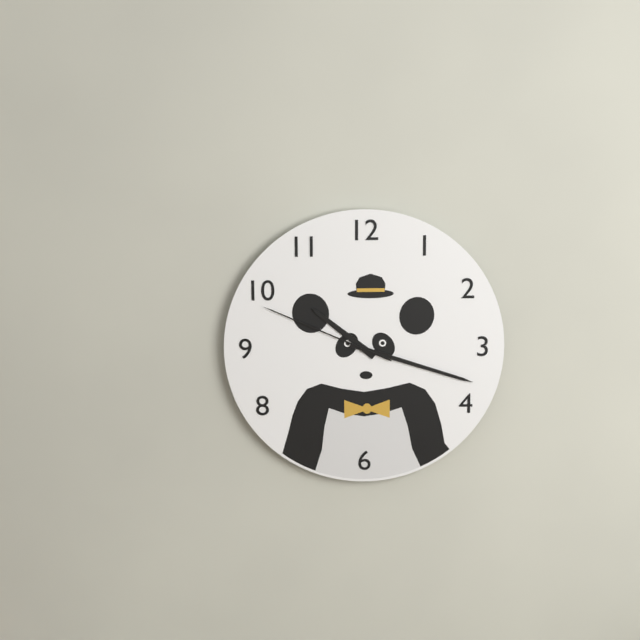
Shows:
10,18,49
